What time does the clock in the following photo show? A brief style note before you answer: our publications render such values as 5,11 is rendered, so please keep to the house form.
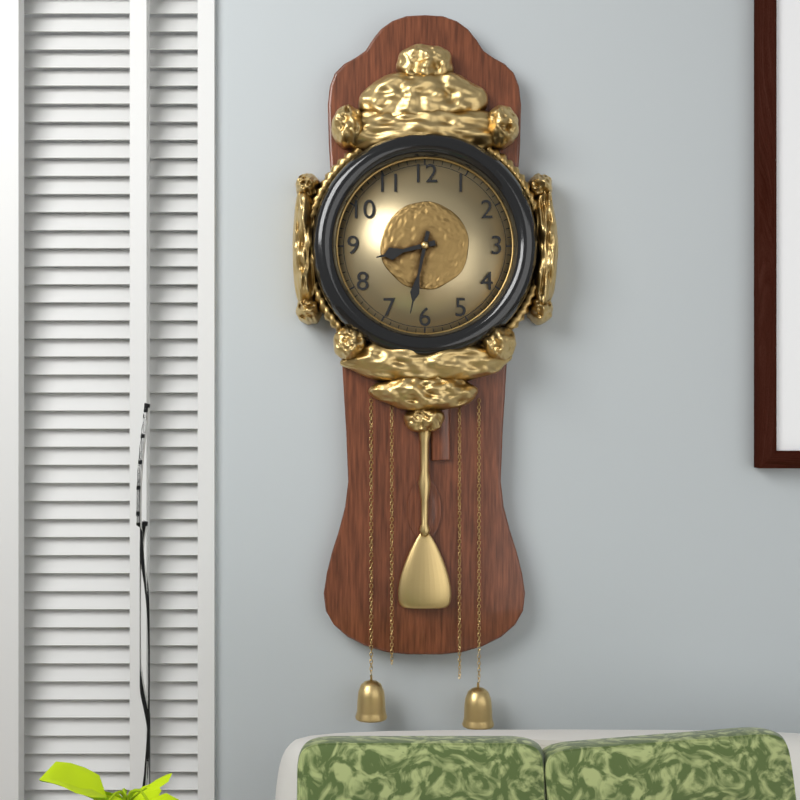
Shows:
8,32
